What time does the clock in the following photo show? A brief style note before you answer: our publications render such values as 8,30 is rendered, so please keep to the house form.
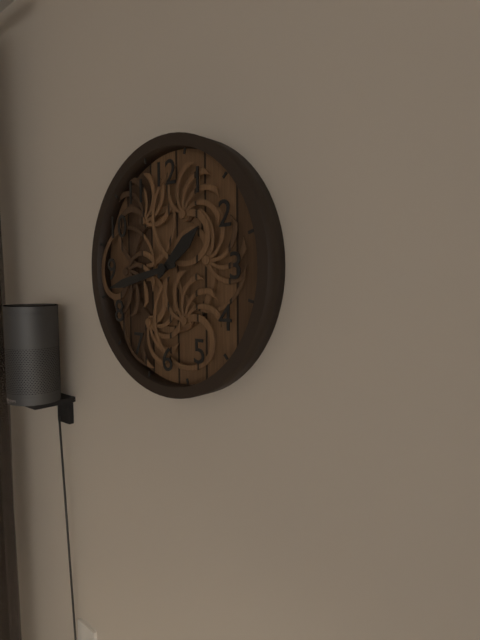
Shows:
1,43
